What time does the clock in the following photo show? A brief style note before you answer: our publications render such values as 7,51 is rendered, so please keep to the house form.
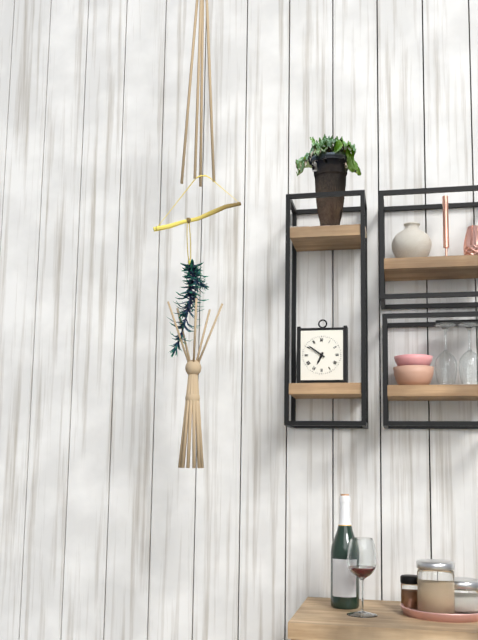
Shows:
6,51
